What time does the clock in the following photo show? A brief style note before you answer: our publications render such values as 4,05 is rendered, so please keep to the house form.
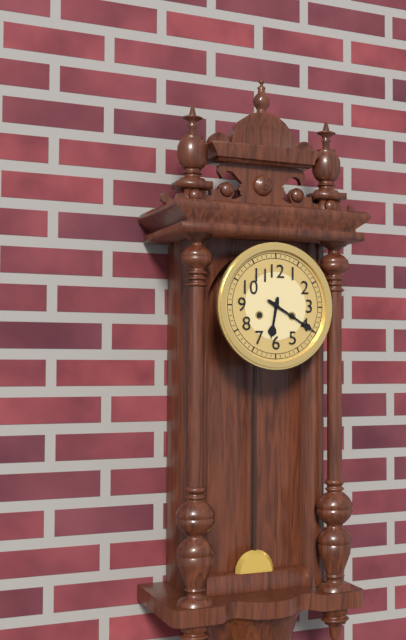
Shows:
6,20
